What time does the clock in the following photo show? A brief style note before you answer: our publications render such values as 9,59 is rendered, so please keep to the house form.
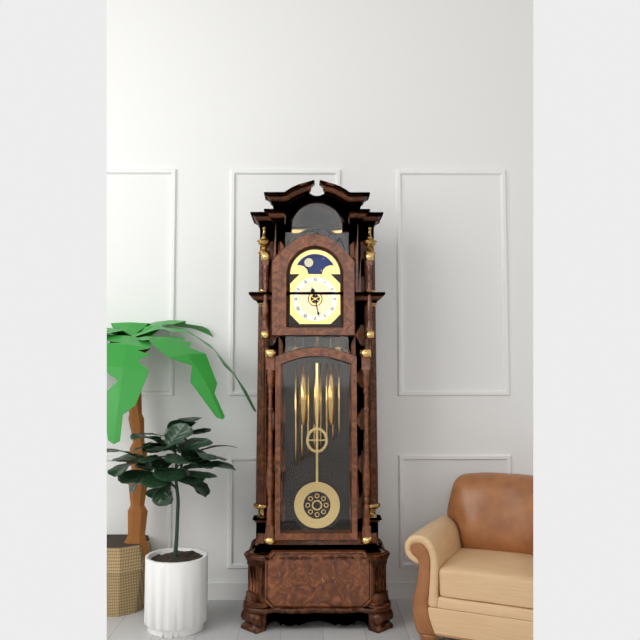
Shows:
11,28
